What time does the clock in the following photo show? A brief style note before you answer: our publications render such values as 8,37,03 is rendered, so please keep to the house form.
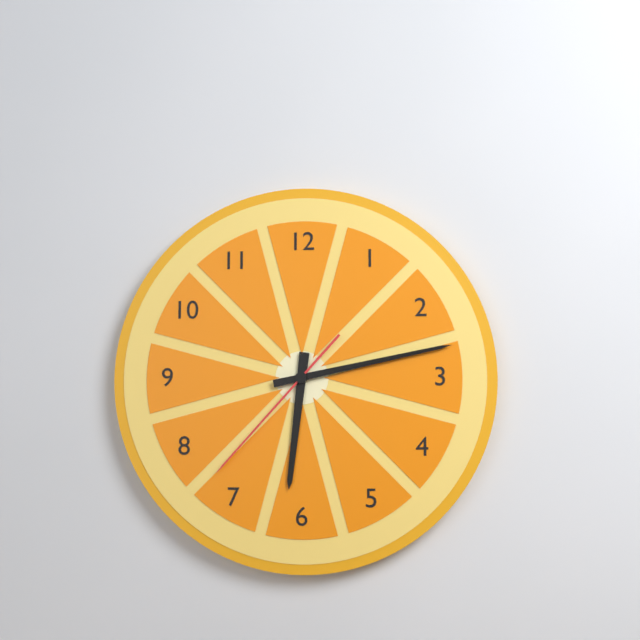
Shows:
6,13,37
